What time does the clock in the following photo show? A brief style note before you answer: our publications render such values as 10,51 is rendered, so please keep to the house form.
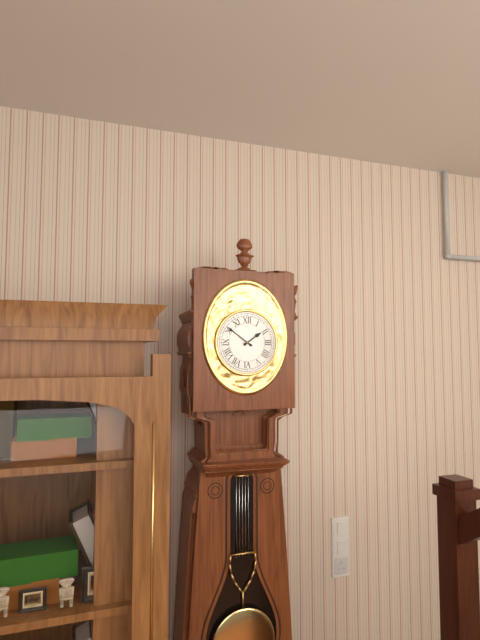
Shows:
1,51
